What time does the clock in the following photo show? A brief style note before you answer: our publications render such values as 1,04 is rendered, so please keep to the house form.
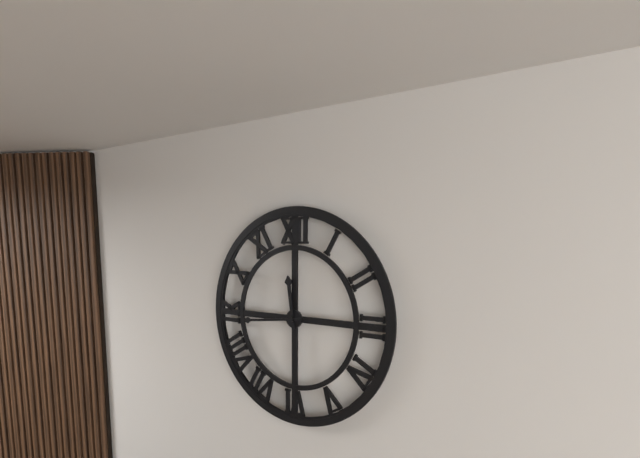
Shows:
11,44
